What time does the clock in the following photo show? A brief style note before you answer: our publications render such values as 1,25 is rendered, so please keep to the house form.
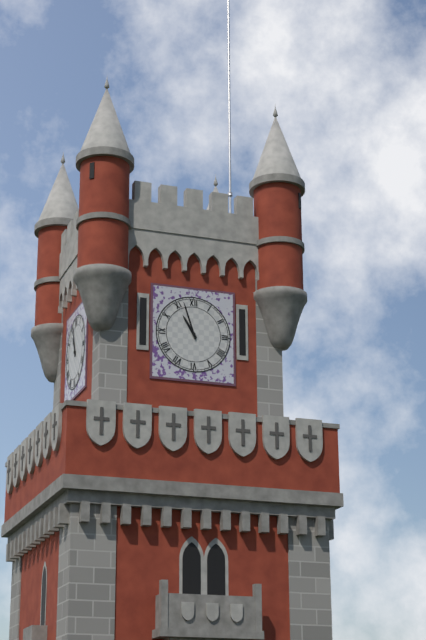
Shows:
10,57
